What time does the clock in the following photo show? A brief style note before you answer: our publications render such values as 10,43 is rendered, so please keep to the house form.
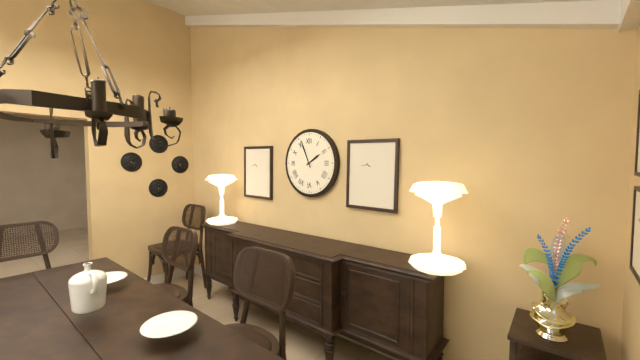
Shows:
1,56
